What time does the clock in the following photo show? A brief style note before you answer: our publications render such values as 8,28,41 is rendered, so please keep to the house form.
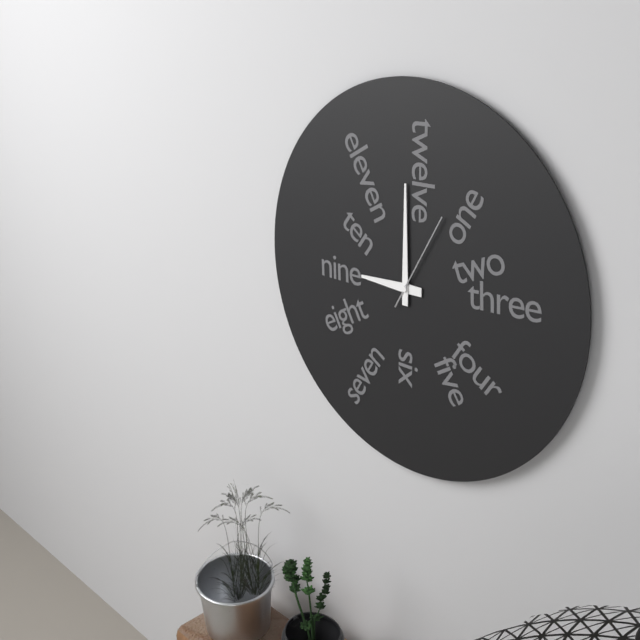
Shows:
9,00,05
